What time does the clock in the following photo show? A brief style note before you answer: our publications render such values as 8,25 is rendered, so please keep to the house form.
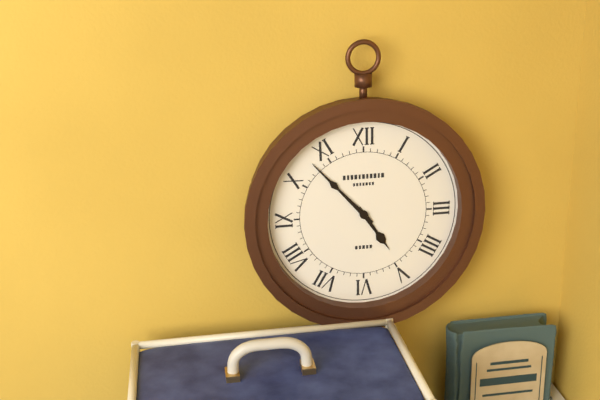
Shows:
4,53
